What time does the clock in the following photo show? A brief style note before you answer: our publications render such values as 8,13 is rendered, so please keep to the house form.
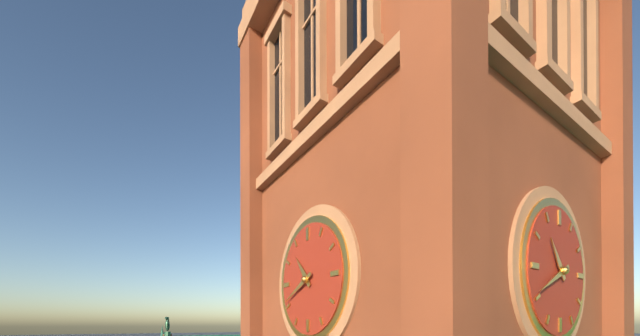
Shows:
10,41
